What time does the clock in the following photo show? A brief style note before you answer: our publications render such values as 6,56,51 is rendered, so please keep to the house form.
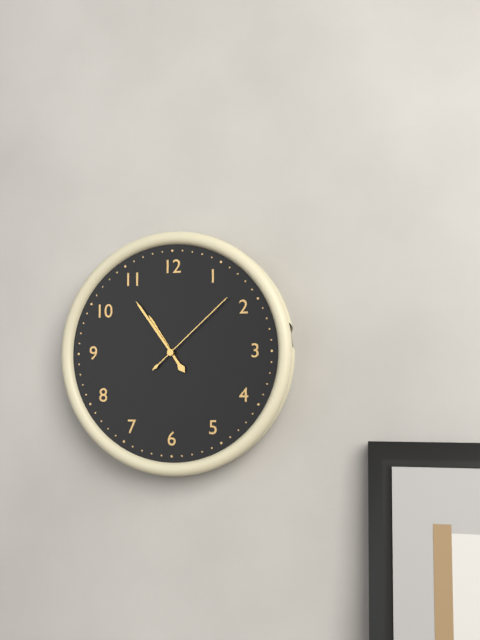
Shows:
10,54,08
